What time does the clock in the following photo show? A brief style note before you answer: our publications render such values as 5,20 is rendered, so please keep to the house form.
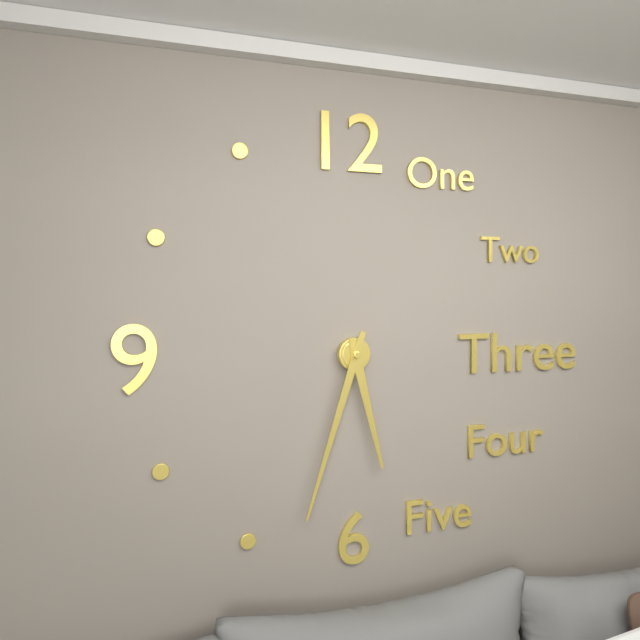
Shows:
5,33
